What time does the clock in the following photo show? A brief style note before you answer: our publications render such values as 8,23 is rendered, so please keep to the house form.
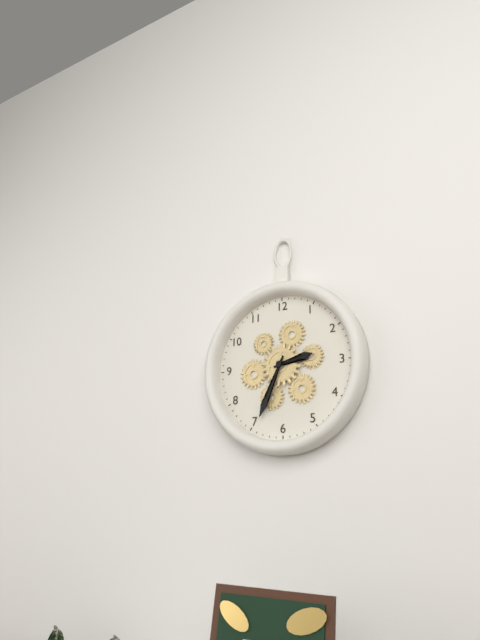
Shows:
2,34
